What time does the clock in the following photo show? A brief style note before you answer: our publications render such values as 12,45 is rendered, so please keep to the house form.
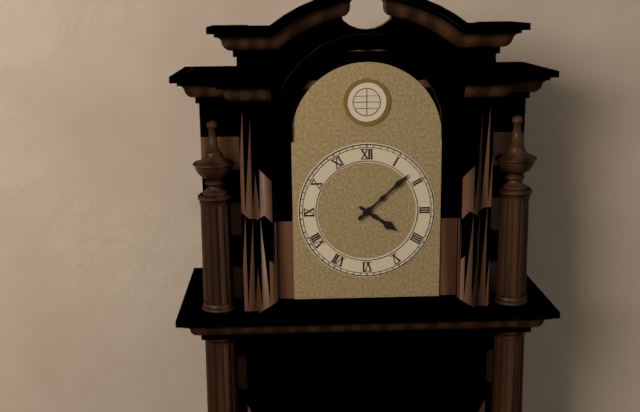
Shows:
4,08
